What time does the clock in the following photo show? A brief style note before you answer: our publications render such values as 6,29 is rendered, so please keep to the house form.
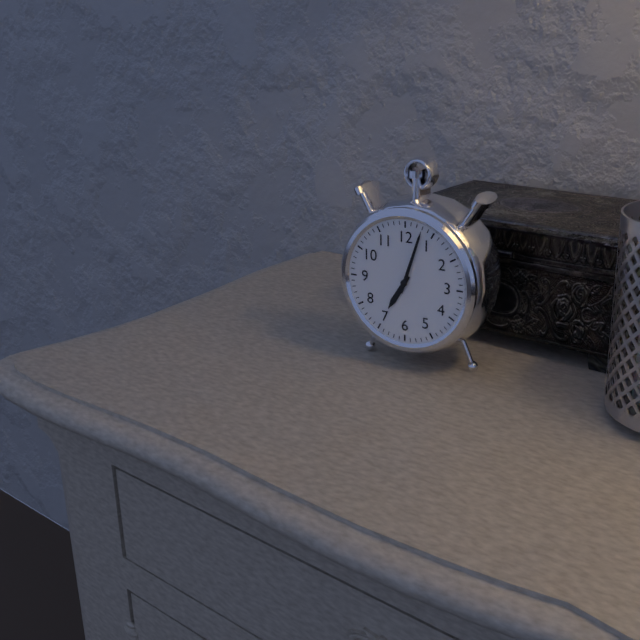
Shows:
7,03
